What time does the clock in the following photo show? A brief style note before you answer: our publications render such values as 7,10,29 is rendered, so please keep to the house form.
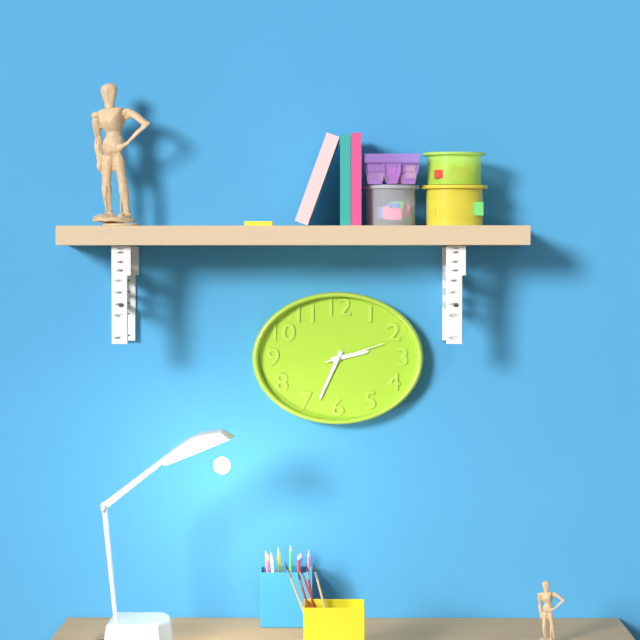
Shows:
2,34,12
